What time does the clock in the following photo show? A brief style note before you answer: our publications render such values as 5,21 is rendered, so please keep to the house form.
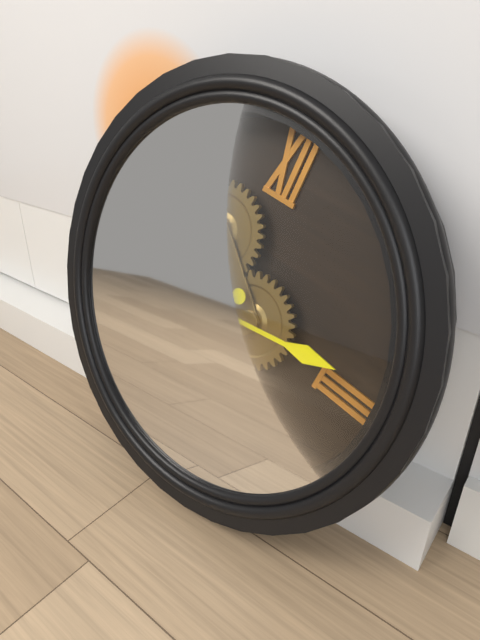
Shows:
7,13
